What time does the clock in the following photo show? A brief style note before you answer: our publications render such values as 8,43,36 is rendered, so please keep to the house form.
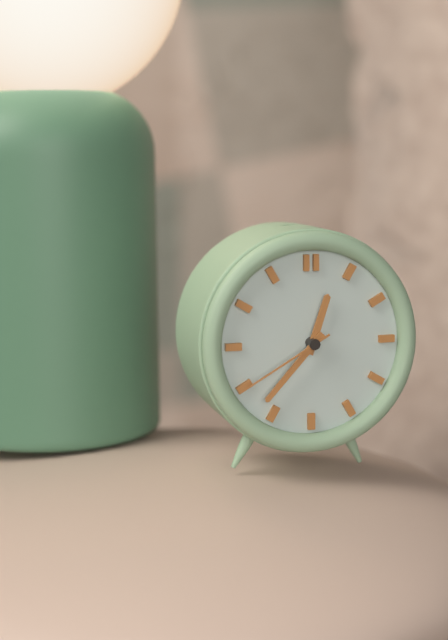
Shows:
12,37,40
